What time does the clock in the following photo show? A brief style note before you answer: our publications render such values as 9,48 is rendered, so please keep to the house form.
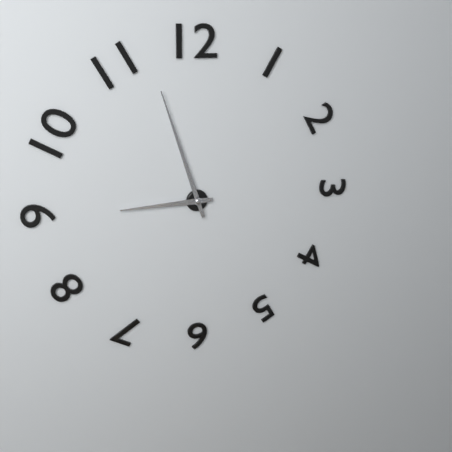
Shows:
8,57
